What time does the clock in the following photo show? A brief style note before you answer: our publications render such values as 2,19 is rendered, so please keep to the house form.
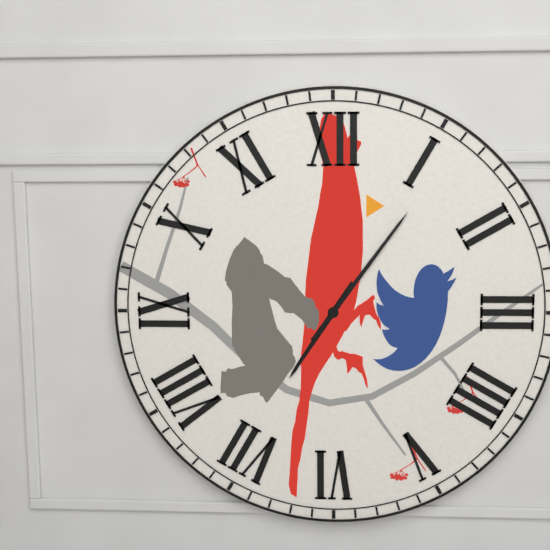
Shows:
7,06
